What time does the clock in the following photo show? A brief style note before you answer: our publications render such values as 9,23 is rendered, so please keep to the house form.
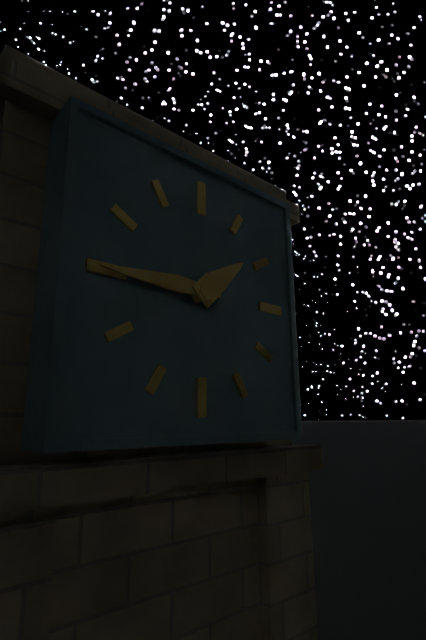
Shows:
1,45
